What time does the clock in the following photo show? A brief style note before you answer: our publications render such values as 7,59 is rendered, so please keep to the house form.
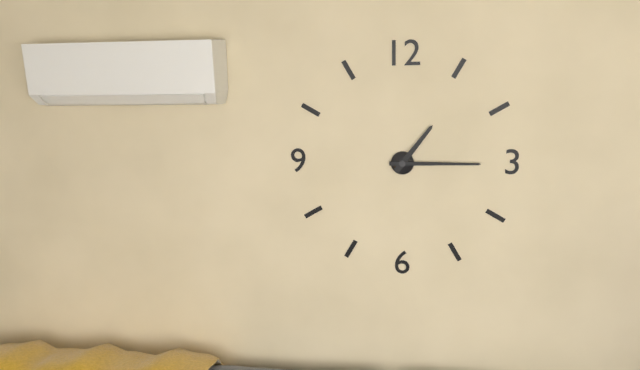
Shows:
1,15
